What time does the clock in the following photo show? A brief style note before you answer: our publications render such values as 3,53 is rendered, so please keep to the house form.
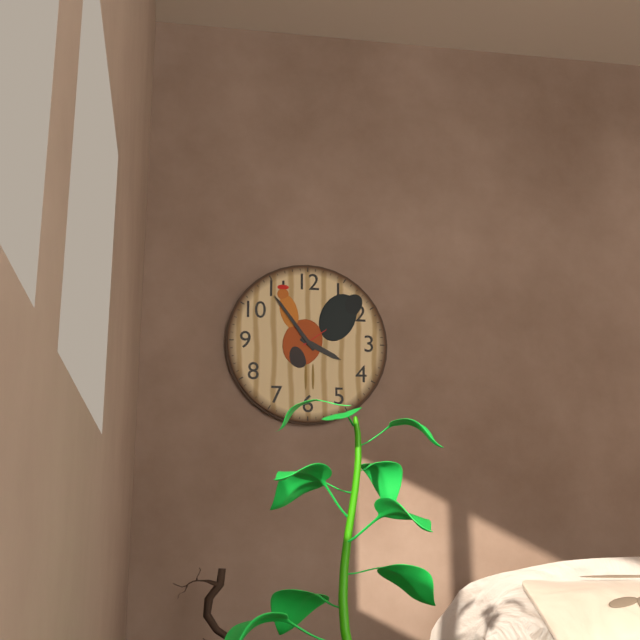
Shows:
3,54
